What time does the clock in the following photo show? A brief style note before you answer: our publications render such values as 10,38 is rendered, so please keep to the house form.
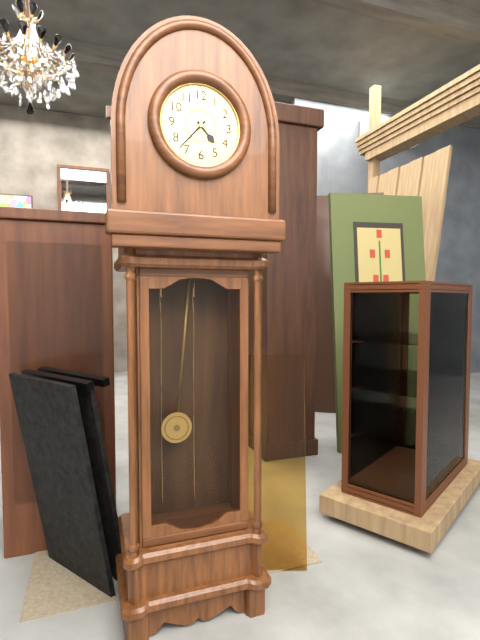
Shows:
4,37
